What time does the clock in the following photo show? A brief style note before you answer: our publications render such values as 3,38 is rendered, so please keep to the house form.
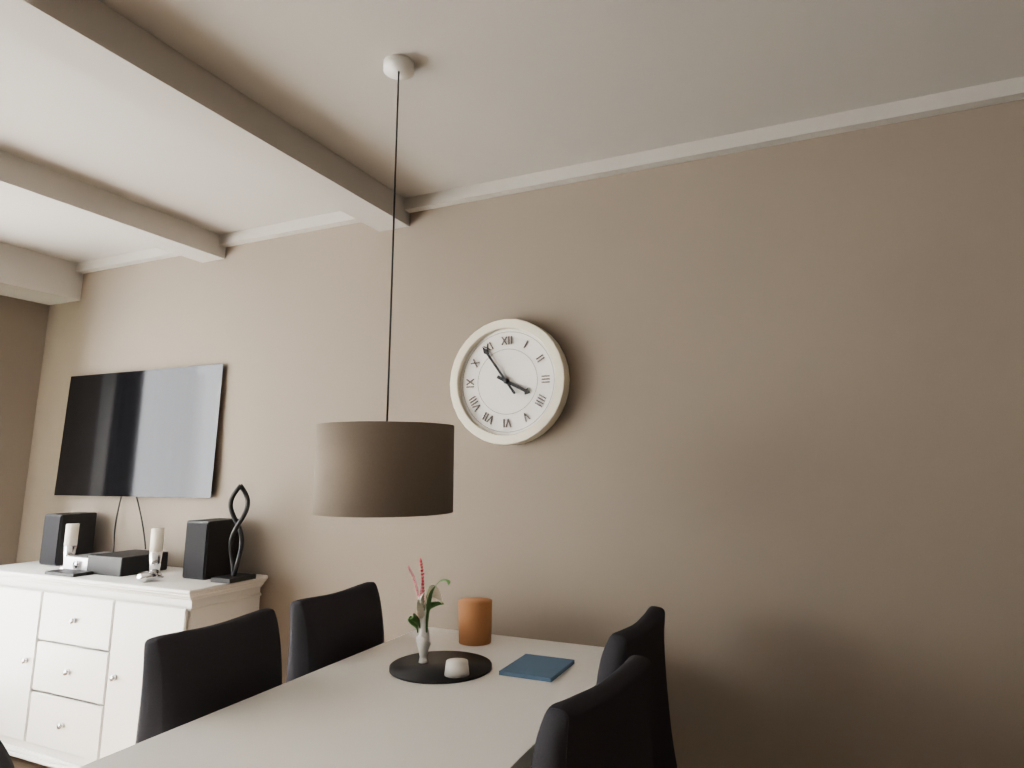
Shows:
3,54
